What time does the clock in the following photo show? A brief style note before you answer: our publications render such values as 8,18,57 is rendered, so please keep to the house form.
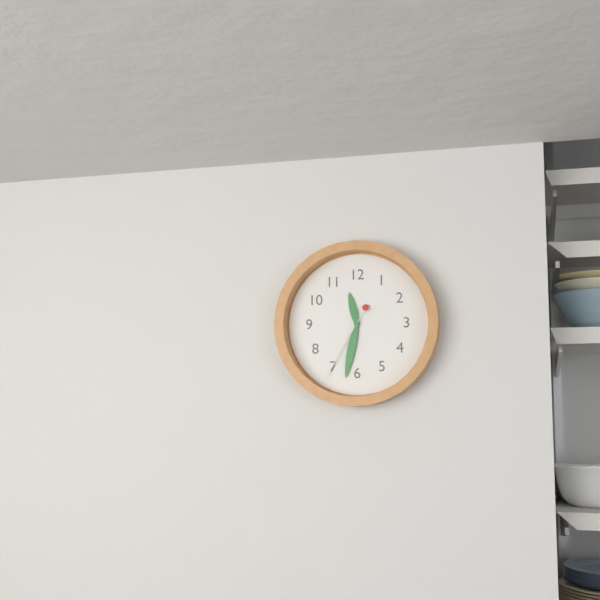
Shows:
11,32,35
